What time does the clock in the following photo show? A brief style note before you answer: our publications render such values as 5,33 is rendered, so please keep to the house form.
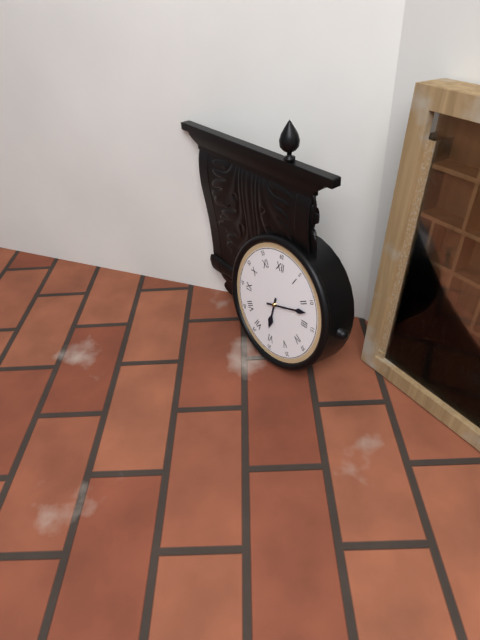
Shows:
6,12
